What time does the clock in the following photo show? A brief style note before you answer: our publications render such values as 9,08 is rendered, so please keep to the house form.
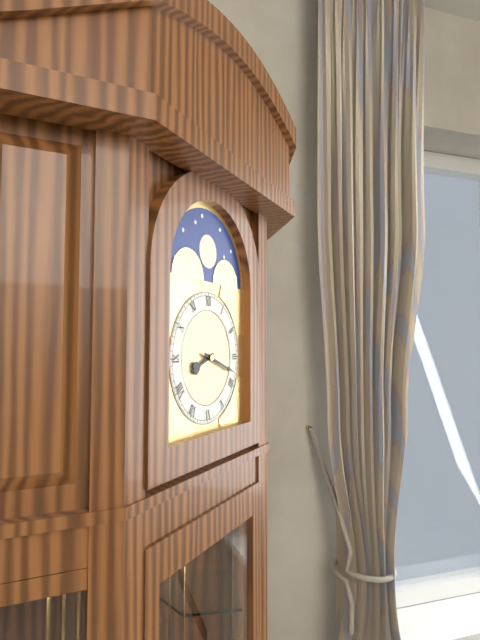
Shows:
8,18
